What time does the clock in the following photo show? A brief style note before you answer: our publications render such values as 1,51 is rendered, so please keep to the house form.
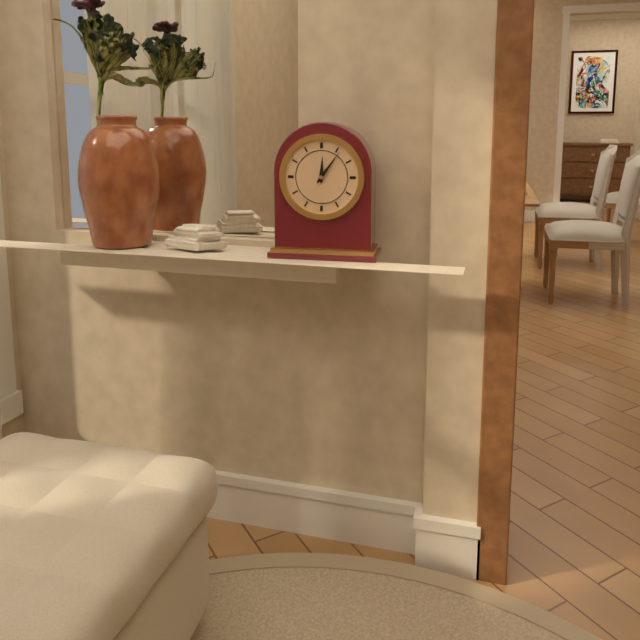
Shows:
12,06
